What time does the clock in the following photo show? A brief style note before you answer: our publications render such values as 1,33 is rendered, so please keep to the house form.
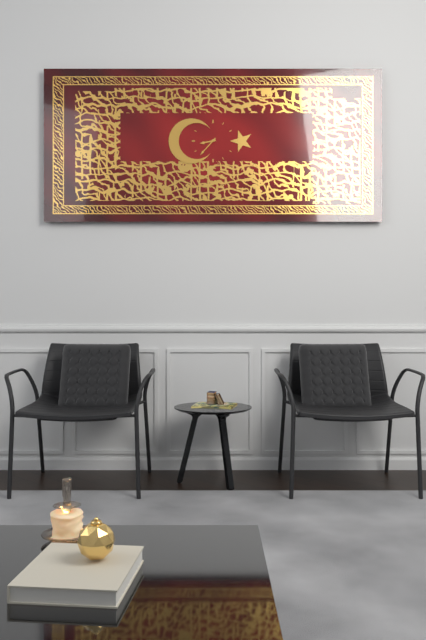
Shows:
8,37
